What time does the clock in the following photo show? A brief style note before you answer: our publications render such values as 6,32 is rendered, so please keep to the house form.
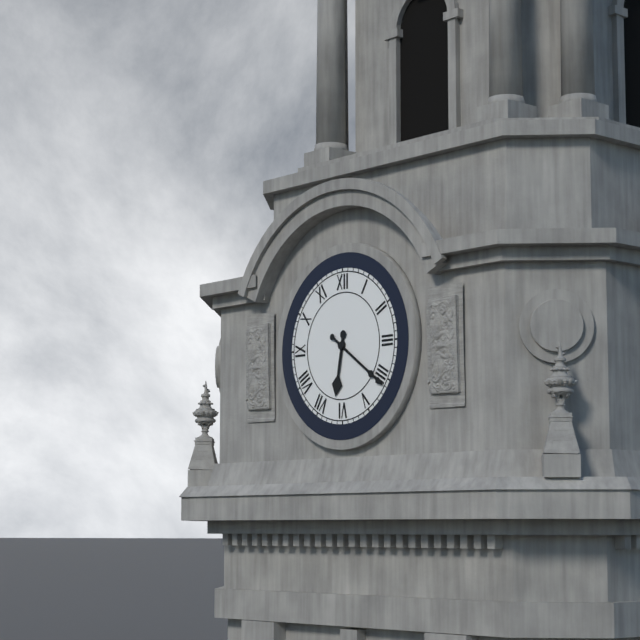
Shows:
6,21
